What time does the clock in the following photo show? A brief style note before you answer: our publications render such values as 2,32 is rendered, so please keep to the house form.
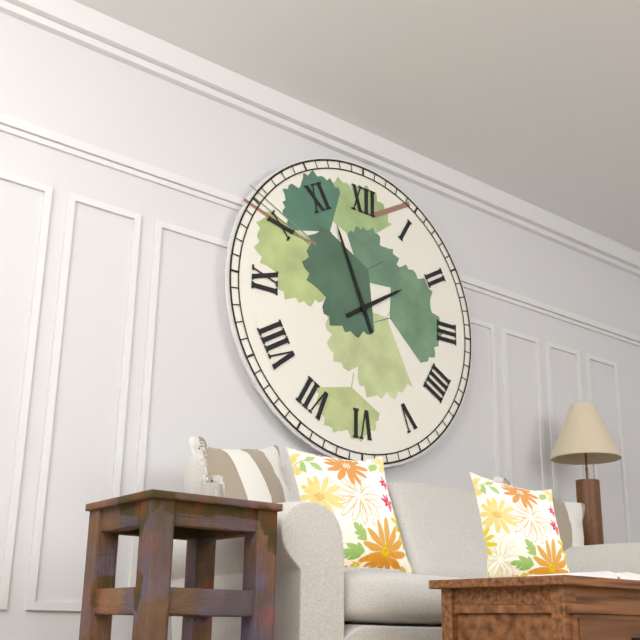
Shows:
1,56
